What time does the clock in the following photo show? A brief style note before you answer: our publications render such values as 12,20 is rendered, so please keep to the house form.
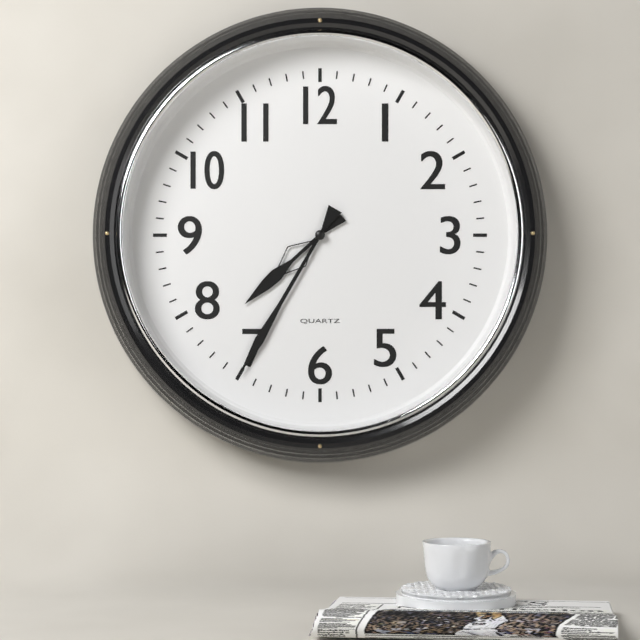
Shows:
7,35
